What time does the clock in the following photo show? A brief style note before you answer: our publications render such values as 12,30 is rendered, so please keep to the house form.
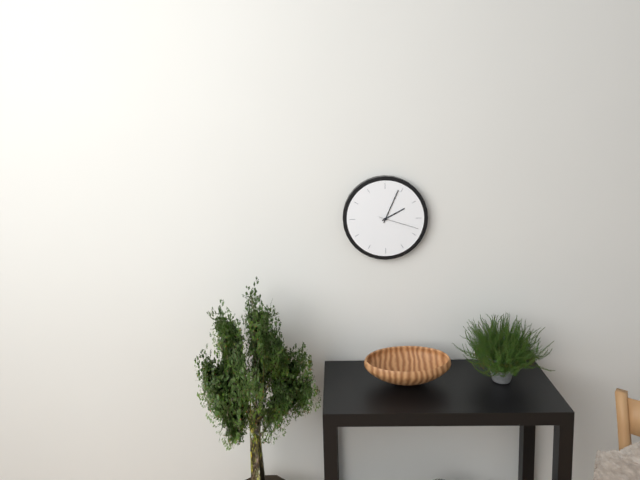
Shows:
2,04
